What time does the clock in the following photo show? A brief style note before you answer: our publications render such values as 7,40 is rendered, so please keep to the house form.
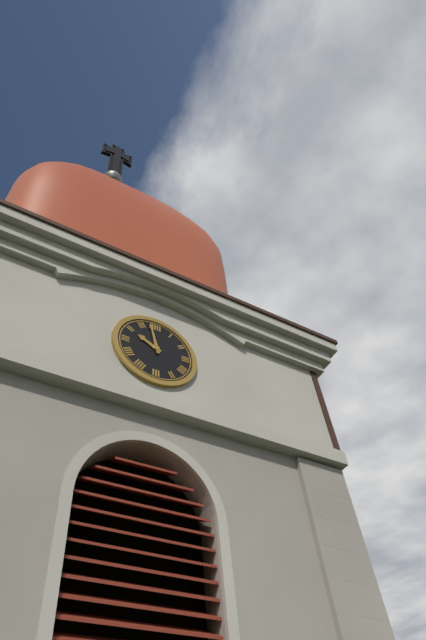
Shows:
9,58
